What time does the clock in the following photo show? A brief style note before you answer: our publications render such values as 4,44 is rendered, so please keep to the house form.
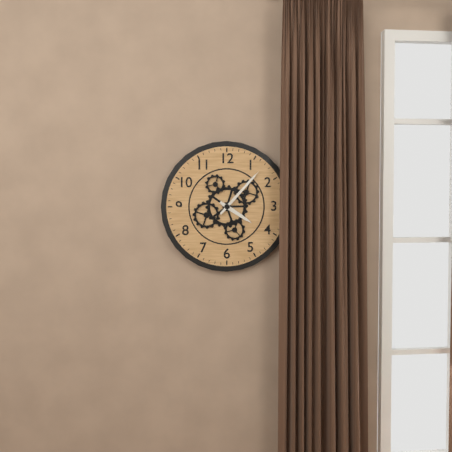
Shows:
4,07
